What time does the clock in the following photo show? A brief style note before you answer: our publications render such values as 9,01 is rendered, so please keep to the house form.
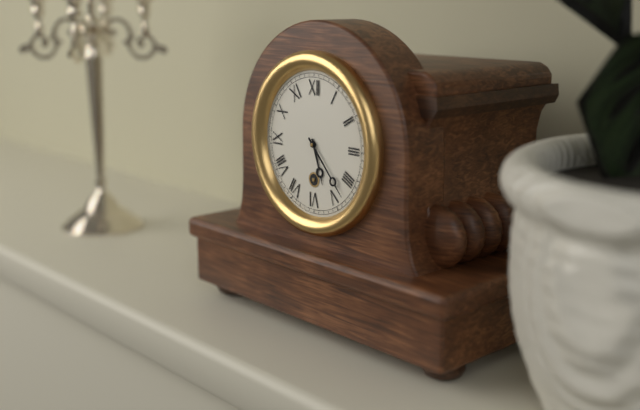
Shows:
5,23
